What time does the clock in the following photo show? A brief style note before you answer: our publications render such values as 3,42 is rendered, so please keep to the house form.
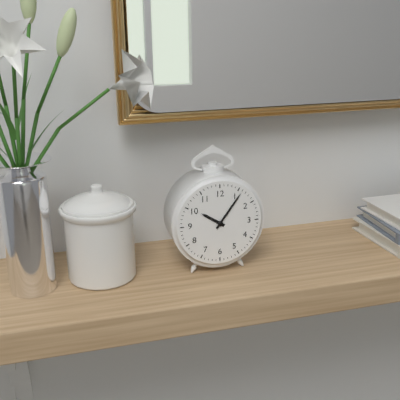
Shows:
10,06
